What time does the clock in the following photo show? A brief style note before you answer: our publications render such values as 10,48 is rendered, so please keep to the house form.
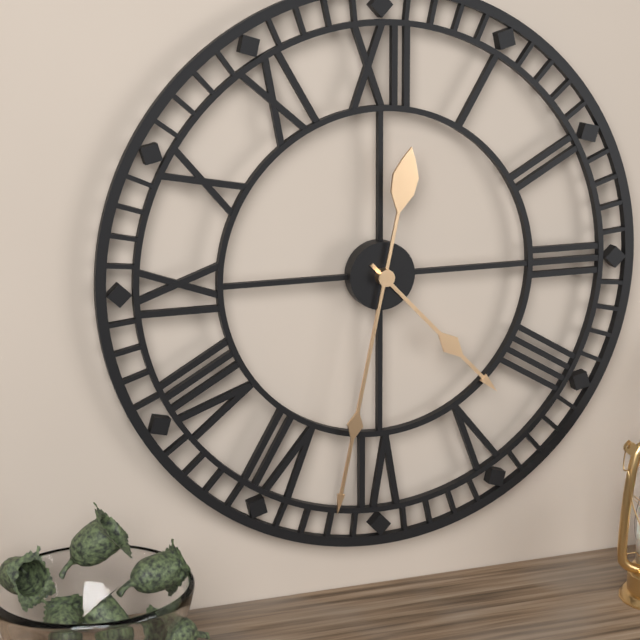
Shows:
4,32
